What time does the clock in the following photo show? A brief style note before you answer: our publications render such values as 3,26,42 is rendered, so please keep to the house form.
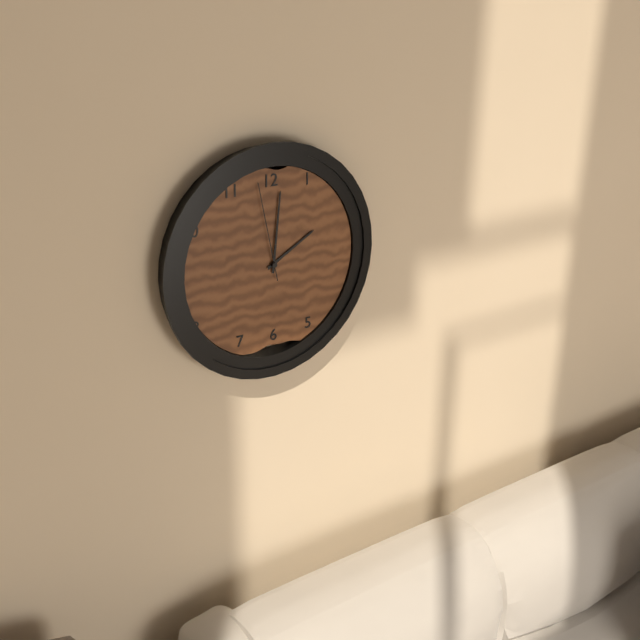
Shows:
2,01,58
